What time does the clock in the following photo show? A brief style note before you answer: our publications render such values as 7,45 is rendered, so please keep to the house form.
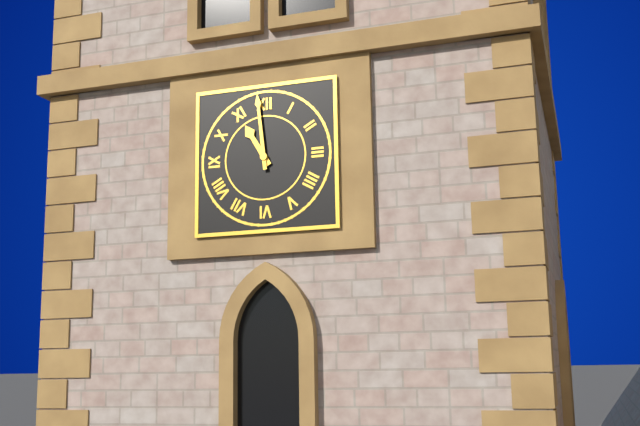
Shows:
10,59
